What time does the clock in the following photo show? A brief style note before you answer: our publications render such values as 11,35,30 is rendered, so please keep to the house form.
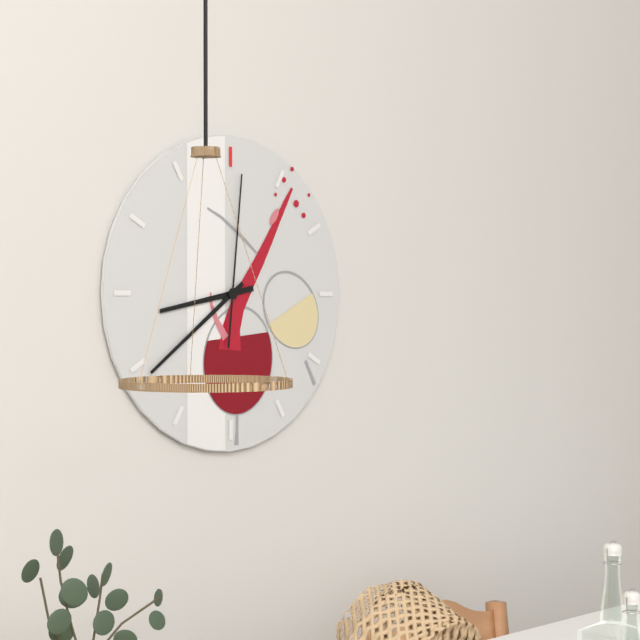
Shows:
8,39,01
